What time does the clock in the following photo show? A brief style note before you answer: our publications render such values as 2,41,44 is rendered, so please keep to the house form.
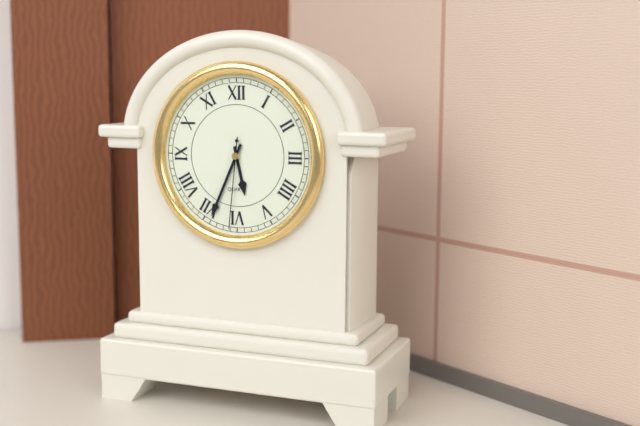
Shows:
5,34,31
